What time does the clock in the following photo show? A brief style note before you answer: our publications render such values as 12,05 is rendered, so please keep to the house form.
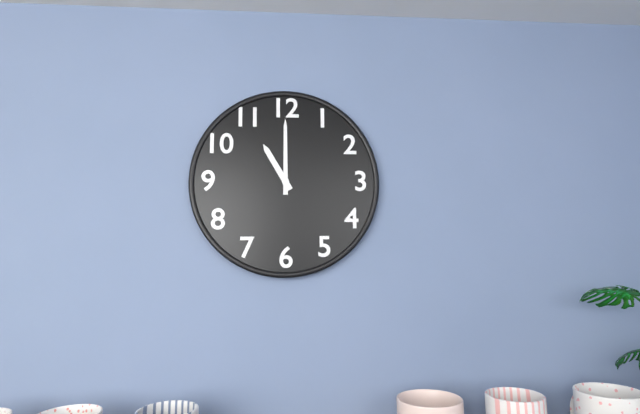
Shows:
11,00
